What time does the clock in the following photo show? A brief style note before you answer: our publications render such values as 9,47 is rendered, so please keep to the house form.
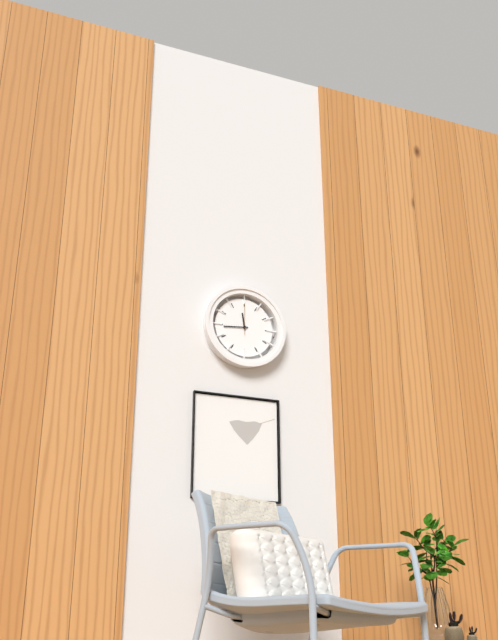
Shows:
11,44
